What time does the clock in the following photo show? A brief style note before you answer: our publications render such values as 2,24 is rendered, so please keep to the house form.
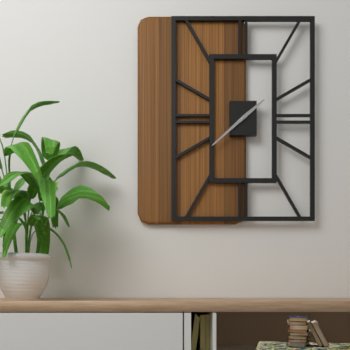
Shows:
1,38
